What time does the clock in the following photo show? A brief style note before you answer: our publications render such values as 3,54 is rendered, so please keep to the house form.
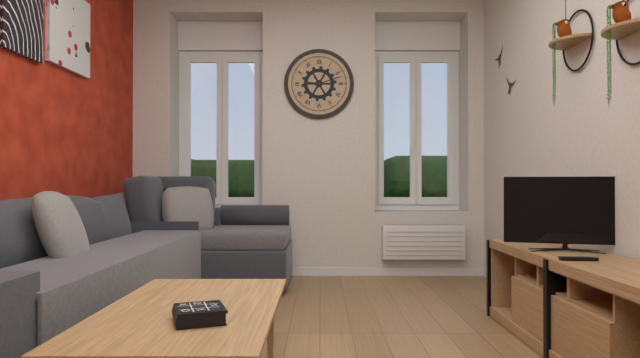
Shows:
9,12
